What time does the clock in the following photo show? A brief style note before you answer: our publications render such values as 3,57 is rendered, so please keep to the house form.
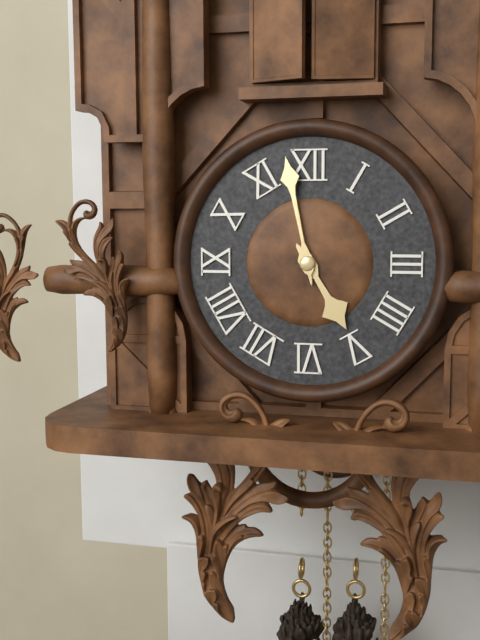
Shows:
4,58
